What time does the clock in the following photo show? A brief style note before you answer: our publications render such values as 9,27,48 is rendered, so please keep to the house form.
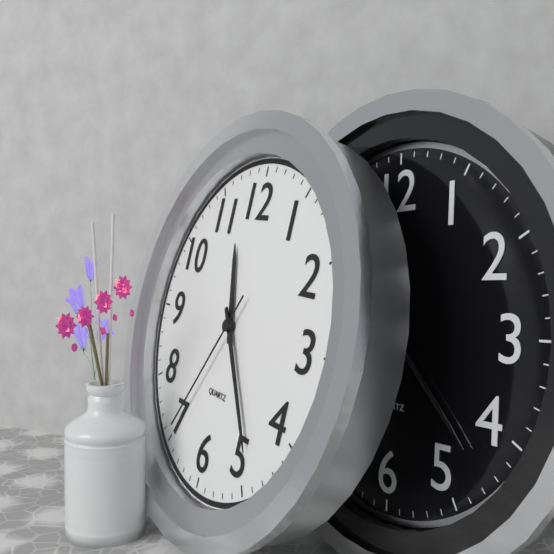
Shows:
11,24,35
